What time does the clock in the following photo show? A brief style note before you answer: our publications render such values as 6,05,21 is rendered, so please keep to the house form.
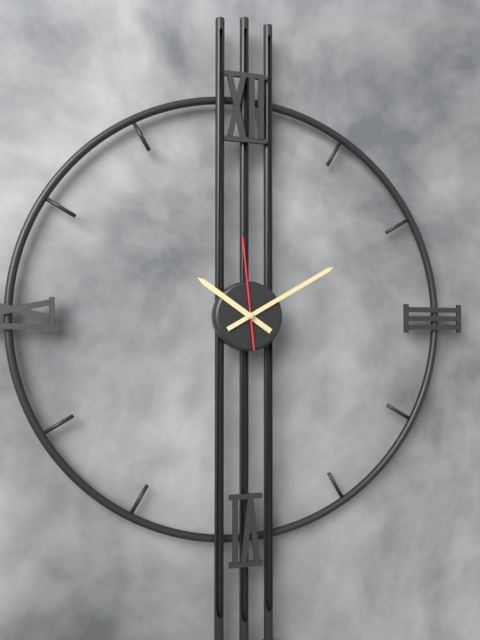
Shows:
10,10,59
